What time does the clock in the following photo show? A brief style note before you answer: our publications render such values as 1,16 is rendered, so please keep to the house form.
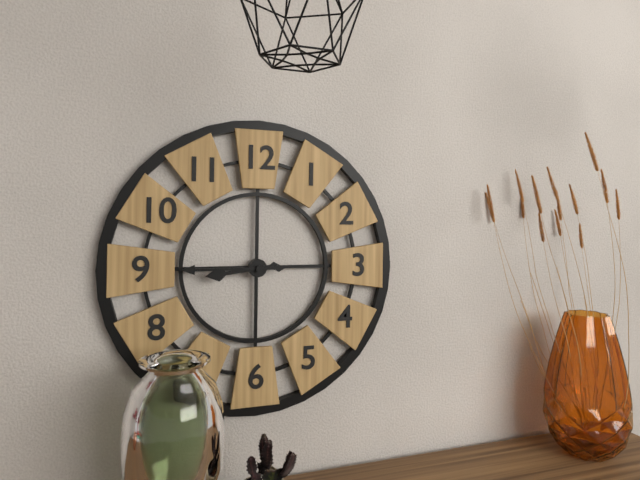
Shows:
8,45
